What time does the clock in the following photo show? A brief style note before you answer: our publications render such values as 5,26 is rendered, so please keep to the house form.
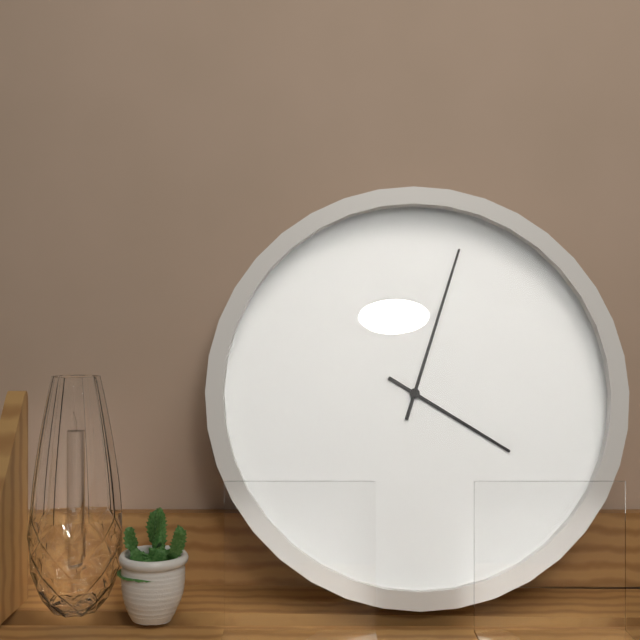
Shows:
4,03
